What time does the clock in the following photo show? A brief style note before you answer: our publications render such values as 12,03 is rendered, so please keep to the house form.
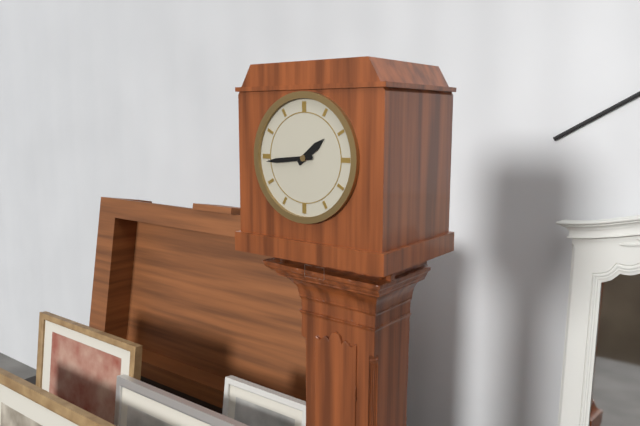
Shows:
1,44
